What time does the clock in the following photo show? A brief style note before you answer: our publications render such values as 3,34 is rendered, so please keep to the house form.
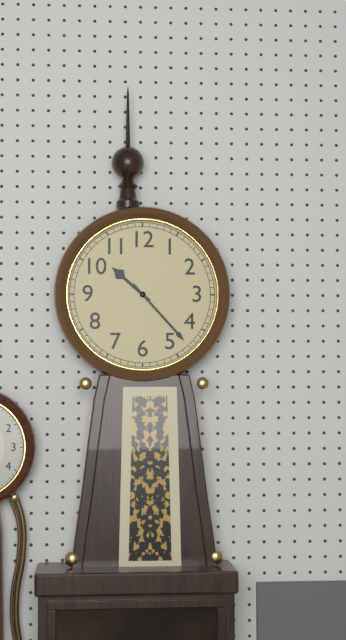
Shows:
10,23
